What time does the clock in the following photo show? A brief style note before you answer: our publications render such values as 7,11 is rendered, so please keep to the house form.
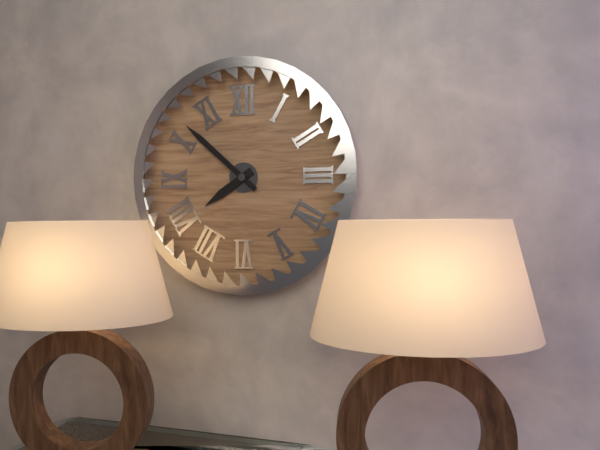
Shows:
7,52
